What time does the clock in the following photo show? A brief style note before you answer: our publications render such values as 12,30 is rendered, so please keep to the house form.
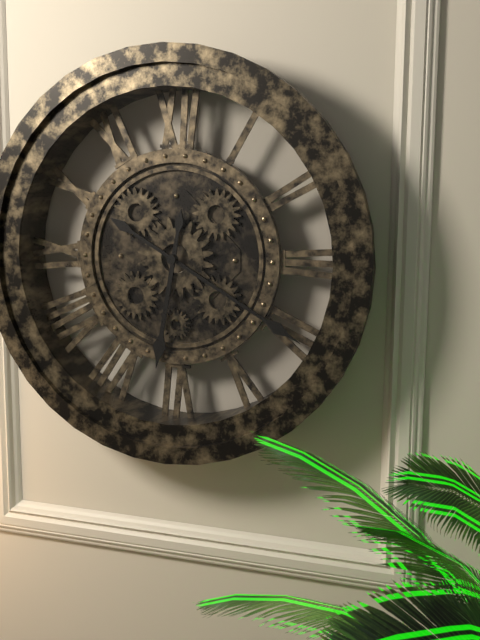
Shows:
6,20
